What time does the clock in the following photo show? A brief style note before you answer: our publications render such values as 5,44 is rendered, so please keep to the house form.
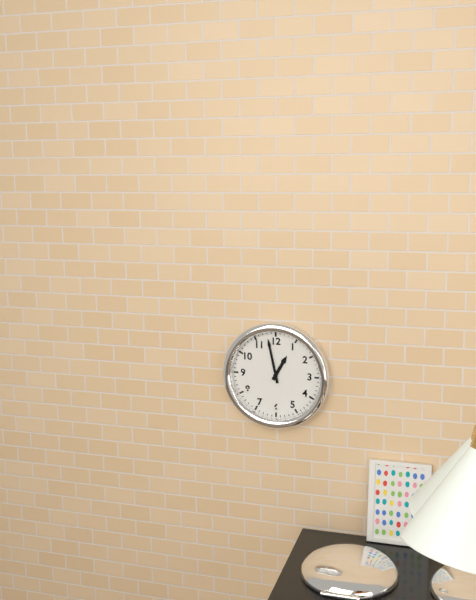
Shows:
12,58
